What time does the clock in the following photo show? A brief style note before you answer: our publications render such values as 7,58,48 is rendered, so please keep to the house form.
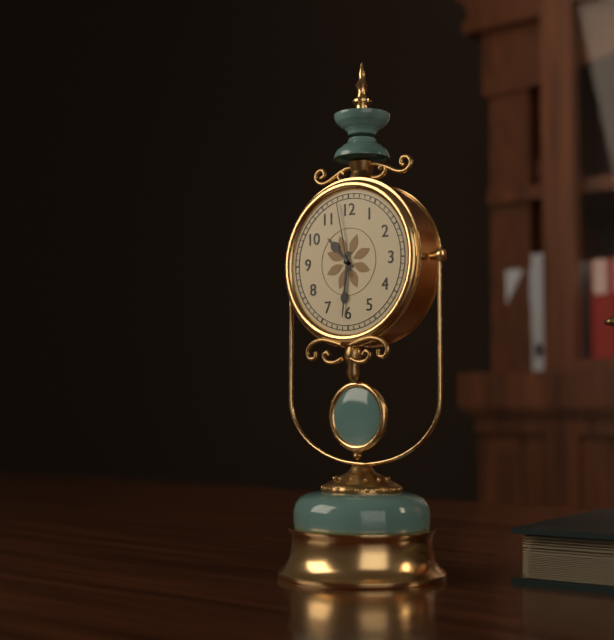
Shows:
10,31,58
